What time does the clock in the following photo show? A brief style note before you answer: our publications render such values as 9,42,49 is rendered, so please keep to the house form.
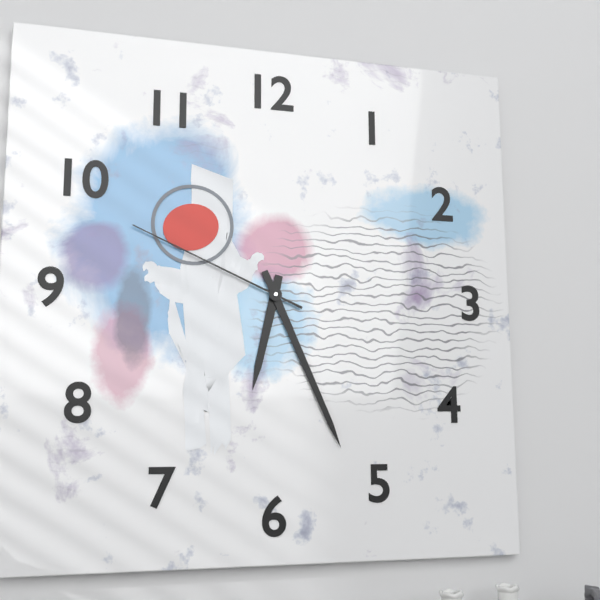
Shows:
6,26,49
